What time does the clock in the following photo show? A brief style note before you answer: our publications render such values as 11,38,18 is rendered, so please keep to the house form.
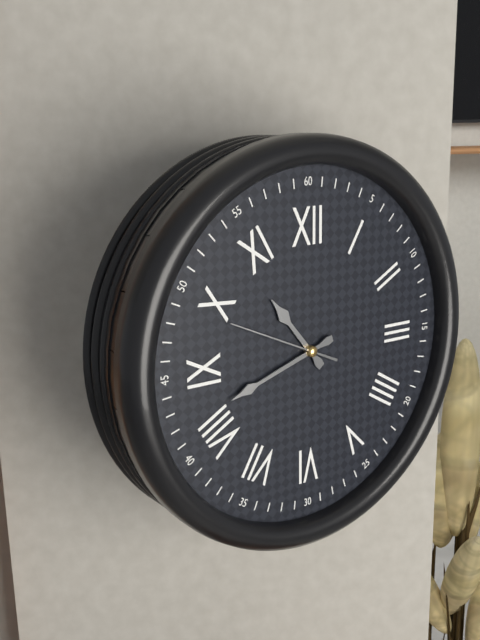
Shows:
10,42,49
